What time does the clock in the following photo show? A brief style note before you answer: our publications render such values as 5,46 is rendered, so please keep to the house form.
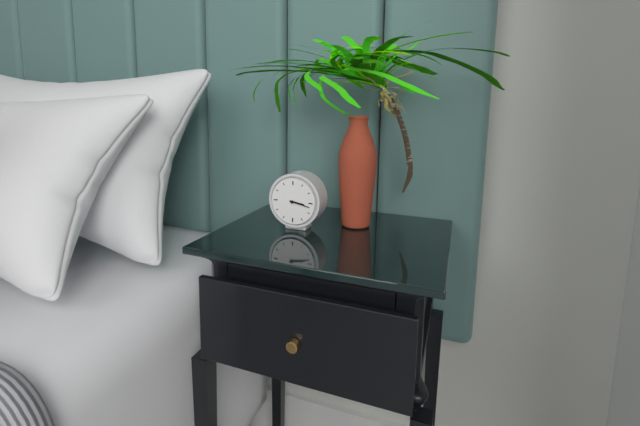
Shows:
3,17
